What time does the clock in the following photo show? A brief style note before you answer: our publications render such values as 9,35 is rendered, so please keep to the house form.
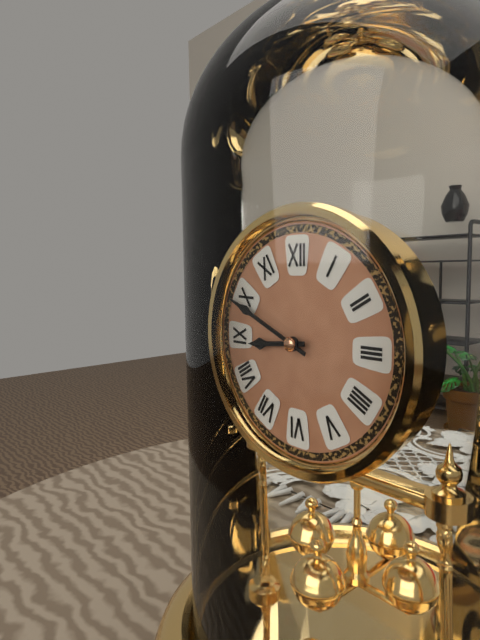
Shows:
8,49
